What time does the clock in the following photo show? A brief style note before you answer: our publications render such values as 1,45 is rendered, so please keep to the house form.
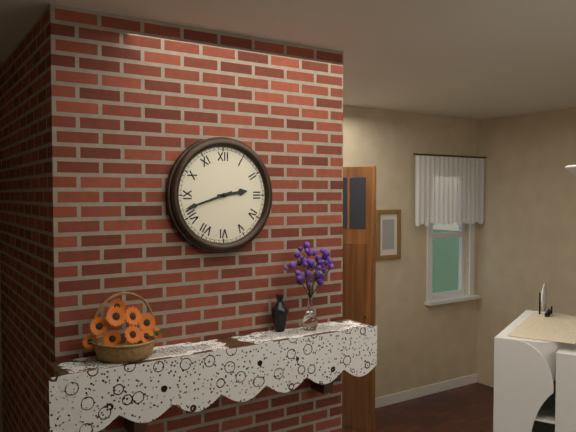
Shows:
2,42
